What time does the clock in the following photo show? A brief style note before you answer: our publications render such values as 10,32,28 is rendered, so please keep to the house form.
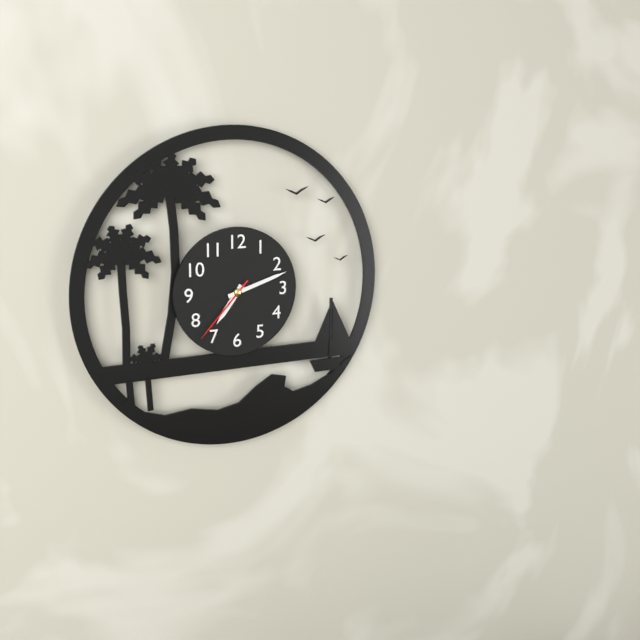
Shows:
7,12,37
